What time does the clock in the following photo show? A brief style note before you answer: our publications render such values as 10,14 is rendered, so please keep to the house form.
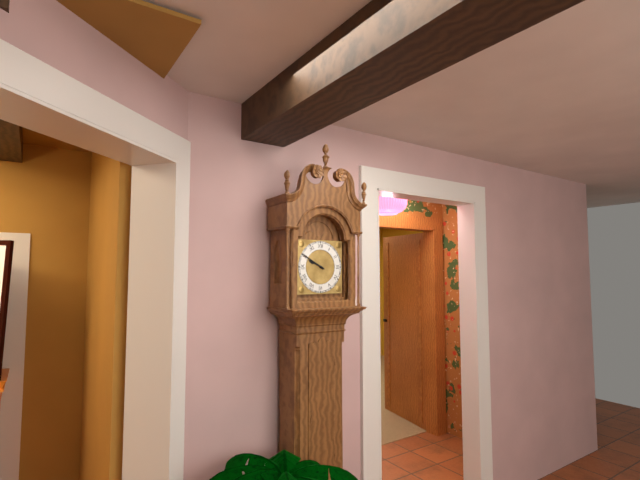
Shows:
9,50
